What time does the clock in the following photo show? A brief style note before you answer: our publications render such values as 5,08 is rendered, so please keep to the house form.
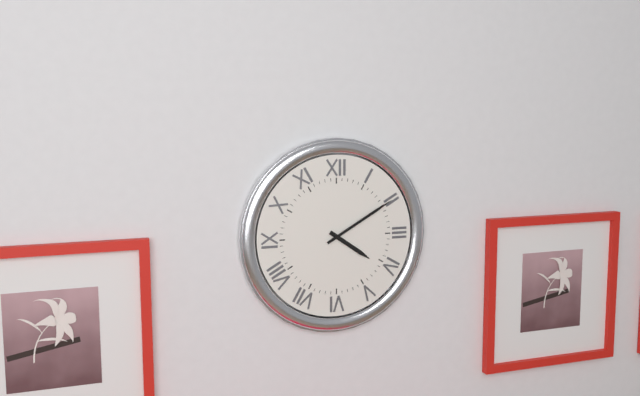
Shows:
4,10
